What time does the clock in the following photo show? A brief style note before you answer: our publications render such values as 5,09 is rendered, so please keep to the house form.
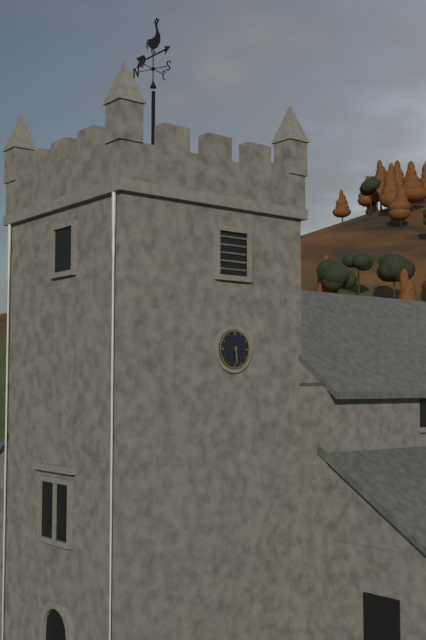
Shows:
5,29
